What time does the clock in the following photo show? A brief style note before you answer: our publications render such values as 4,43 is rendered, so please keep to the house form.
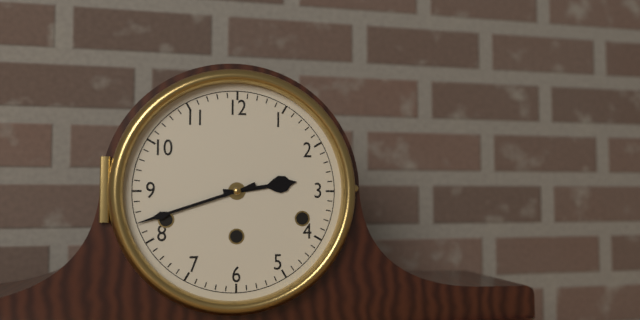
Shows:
2,42
